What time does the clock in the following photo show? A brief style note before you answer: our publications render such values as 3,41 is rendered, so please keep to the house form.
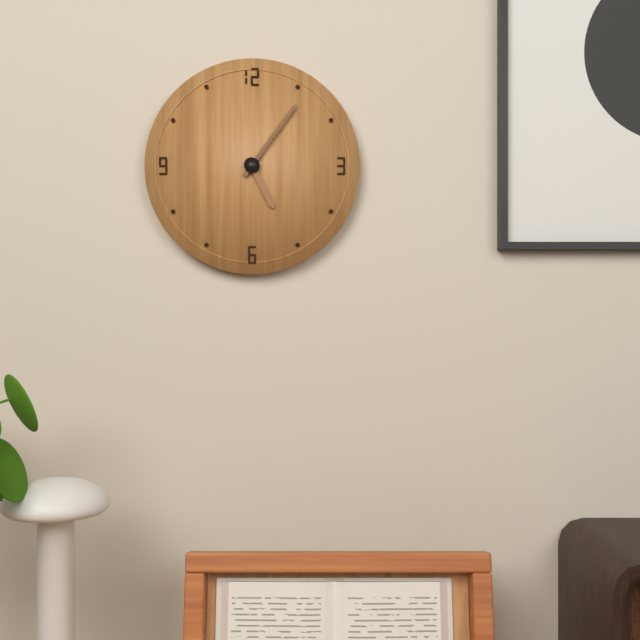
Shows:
5,06
